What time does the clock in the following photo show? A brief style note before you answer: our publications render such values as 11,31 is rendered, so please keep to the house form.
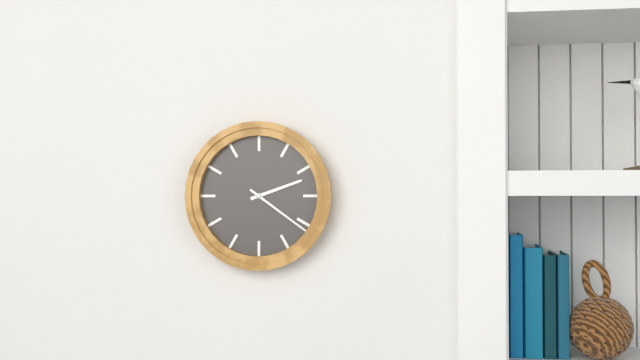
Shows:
2,21
